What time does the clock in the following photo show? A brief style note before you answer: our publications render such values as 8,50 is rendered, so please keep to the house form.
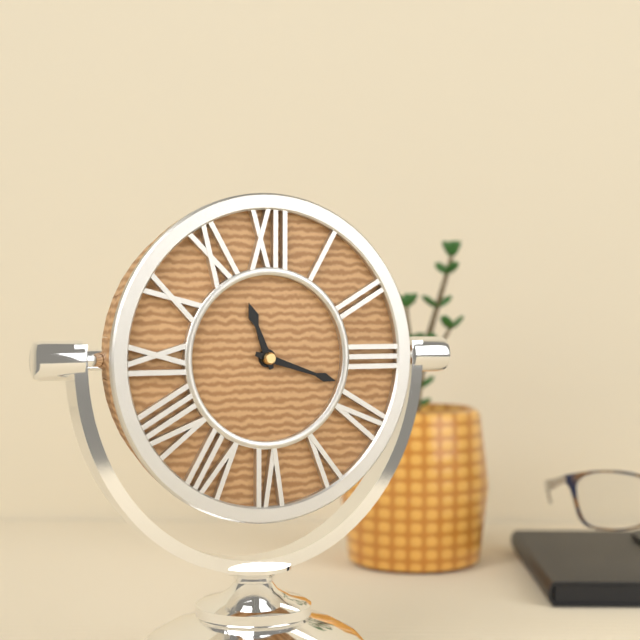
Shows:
11,18
